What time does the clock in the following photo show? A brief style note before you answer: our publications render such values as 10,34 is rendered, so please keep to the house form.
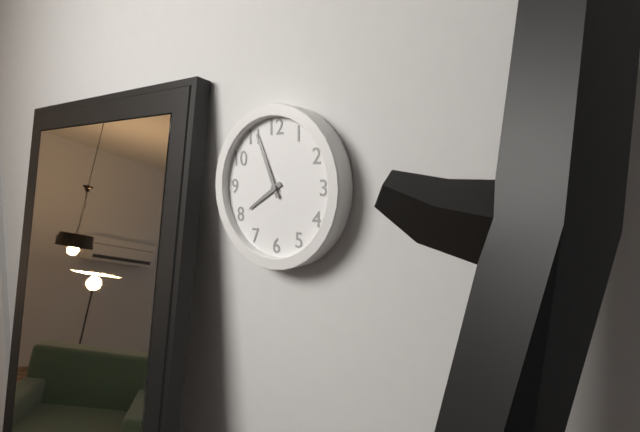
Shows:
7,56
